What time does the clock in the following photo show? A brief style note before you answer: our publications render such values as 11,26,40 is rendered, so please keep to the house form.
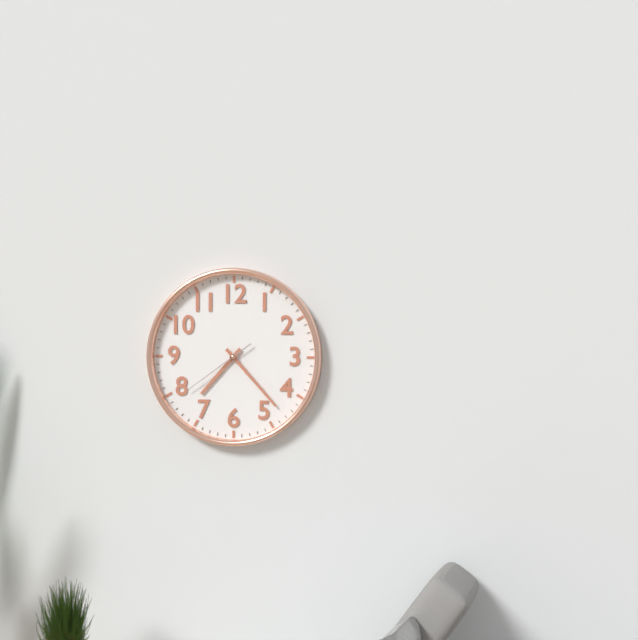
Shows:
7,23,39
